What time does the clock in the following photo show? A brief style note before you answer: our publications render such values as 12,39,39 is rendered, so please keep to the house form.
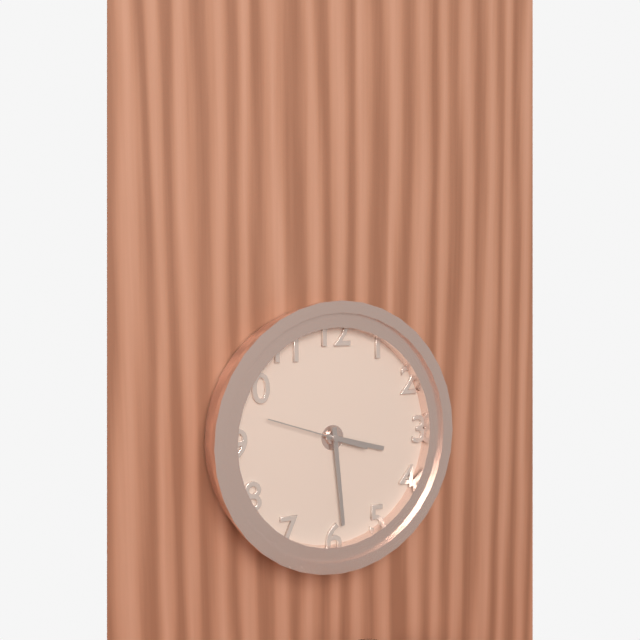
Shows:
3,29,48
